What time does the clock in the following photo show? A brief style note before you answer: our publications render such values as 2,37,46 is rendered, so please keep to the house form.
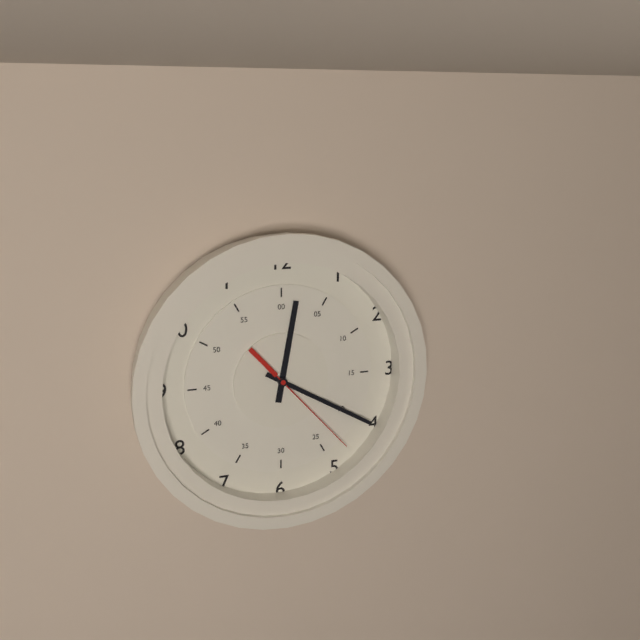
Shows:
12,20,23
